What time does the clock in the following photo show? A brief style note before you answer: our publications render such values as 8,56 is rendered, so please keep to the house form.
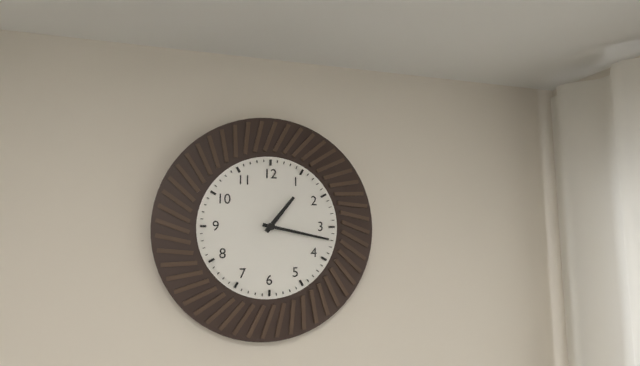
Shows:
1,17
